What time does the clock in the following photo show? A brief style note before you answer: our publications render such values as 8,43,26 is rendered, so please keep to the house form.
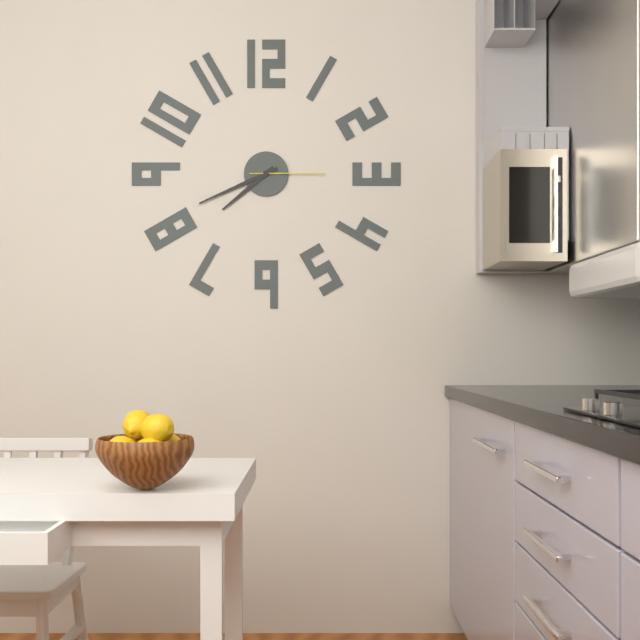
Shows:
7,41,15
